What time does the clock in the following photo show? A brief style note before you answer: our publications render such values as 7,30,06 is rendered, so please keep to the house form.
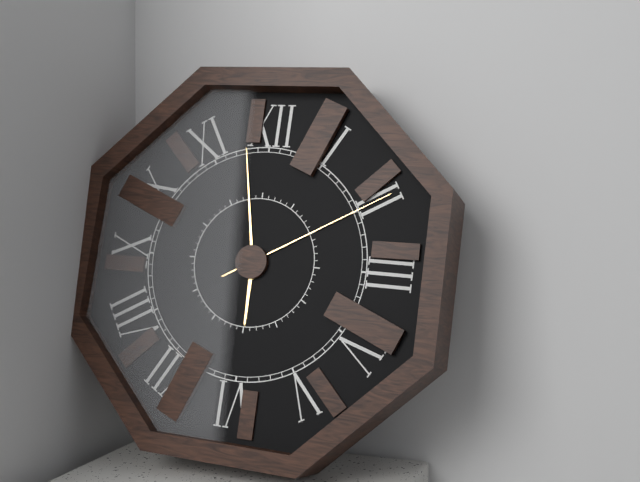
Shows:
5,58,10
